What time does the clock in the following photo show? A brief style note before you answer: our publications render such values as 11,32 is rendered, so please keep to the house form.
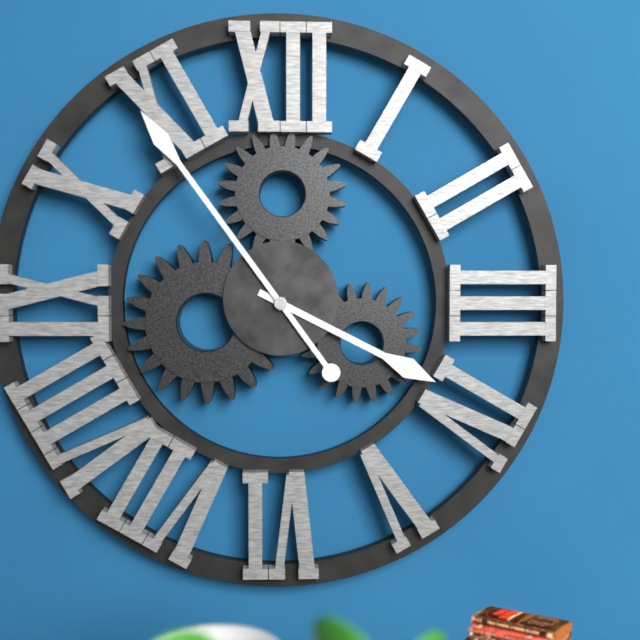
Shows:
3,54
